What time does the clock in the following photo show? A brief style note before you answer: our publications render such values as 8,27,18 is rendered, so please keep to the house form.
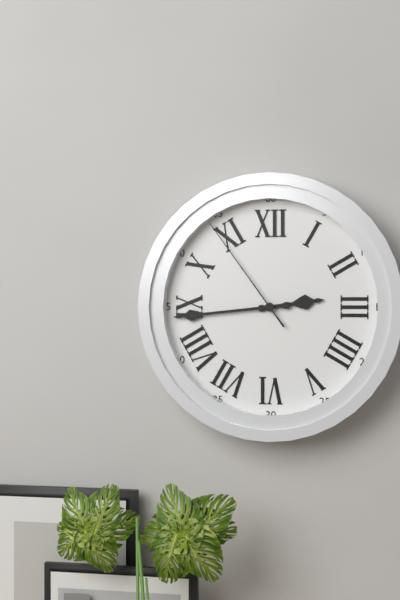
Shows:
2,44,54
